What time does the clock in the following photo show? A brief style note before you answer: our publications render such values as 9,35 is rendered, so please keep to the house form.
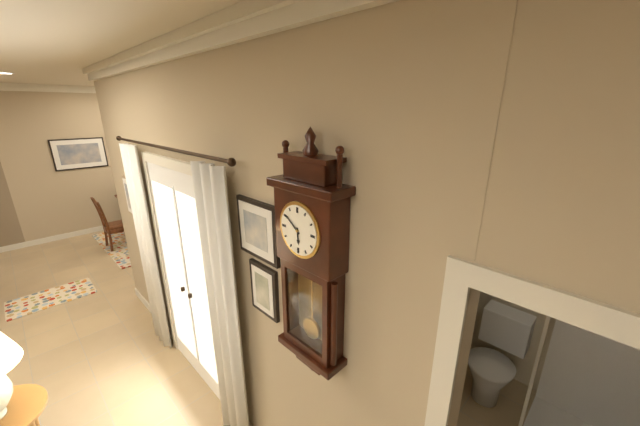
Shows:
5,51
